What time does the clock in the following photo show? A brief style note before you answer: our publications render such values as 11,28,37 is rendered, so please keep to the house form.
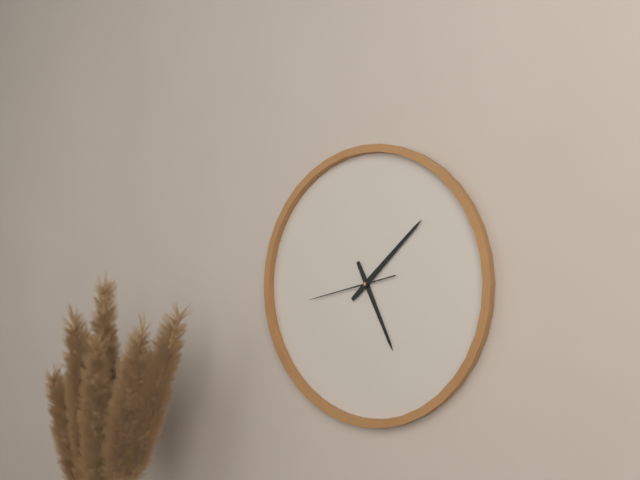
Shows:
5,08,43
